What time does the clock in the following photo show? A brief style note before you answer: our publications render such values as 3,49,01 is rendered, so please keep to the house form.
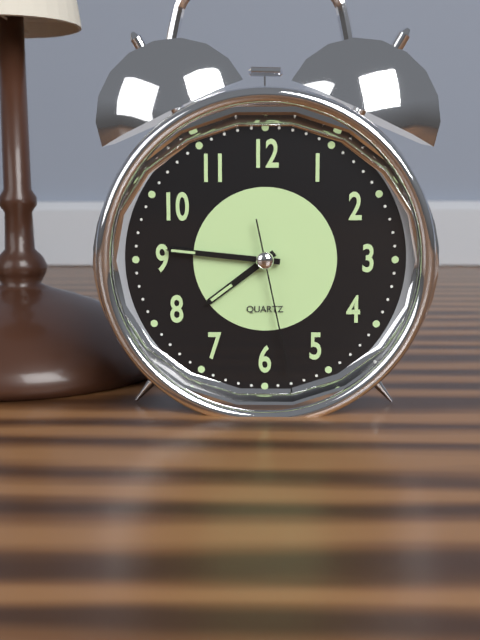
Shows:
7,46,28
